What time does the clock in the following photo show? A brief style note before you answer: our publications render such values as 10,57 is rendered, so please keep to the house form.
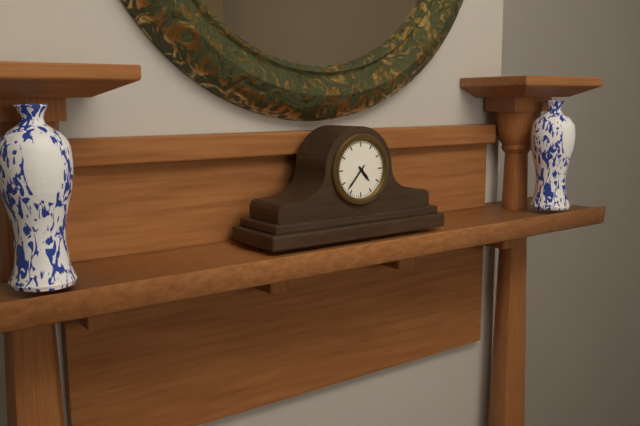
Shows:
4,37
